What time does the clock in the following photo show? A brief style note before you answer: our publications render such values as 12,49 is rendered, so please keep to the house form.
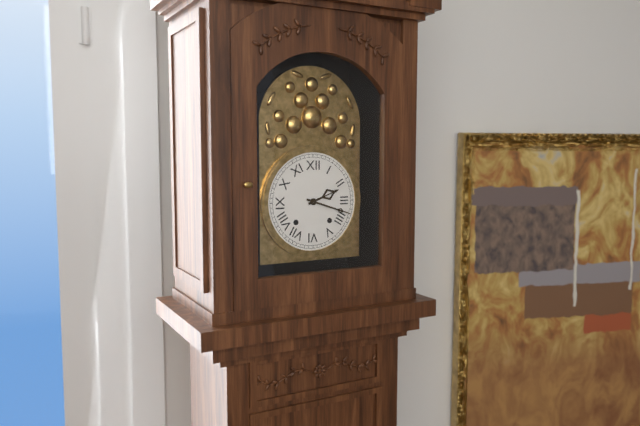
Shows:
2,18
